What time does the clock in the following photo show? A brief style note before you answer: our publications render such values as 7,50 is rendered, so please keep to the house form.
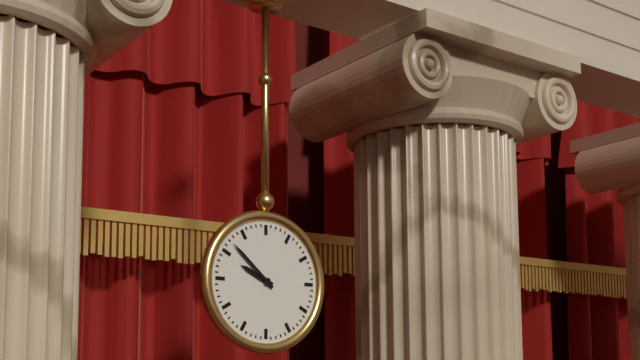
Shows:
9,52
